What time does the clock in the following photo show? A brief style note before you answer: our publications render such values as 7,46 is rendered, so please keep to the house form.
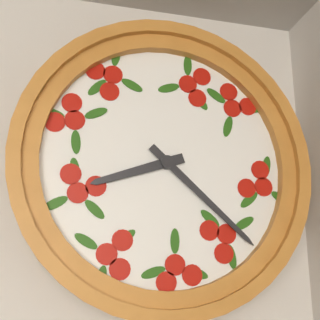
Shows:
8,22
